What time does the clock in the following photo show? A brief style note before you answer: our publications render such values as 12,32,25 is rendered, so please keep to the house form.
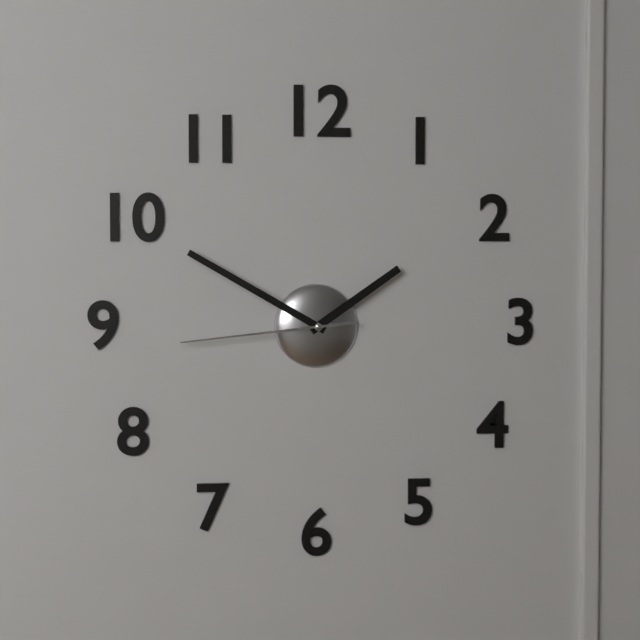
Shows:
1,50,44
